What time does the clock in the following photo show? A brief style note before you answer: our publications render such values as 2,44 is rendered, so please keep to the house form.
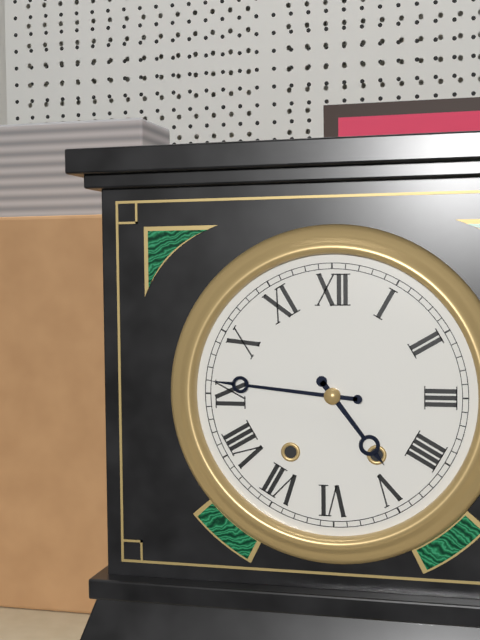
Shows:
4,46
